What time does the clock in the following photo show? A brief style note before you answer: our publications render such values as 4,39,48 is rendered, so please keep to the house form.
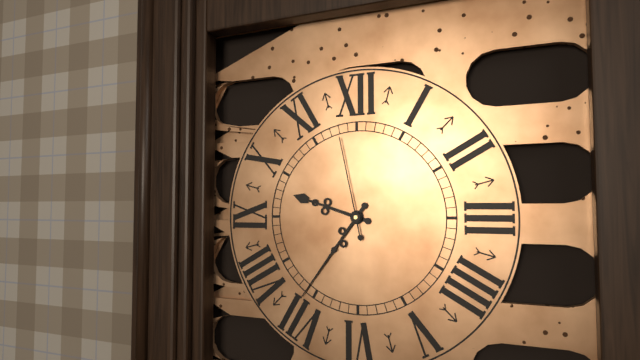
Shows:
9,36,58
